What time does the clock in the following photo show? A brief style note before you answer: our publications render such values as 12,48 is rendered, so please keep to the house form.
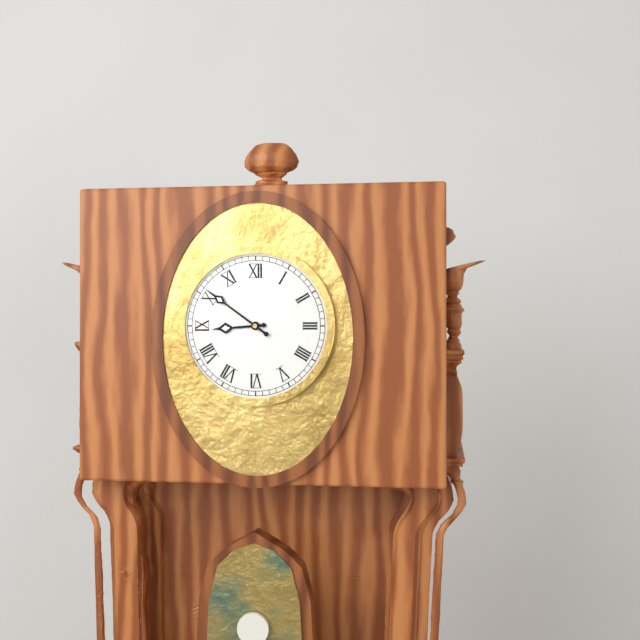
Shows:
8,51
